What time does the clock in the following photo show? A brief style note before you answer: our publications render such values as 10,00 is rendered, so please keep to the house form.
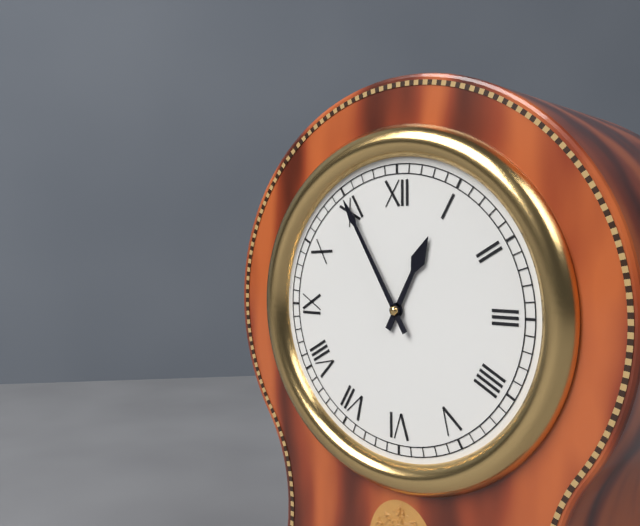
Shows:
12,55
